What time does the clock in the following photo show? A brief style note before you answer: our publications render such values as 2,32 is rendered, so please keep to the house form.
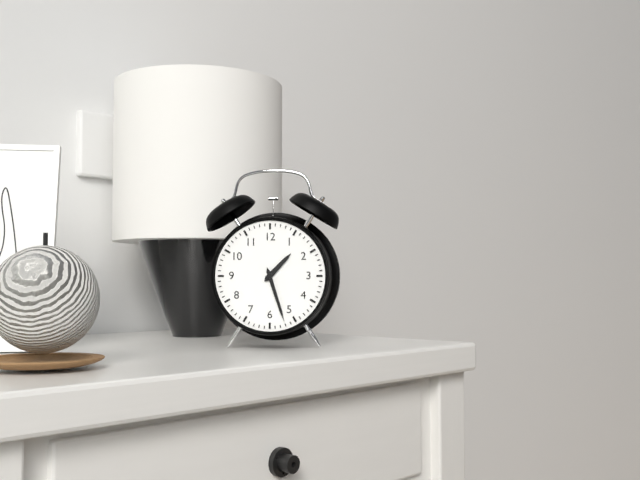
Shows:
1,27
